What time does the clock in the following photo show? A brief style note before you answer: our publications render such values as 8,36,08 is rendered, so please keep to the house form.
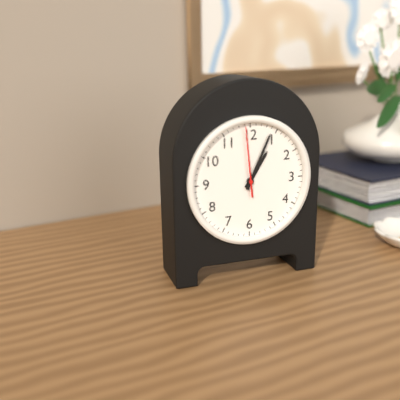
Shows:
1,04,59
